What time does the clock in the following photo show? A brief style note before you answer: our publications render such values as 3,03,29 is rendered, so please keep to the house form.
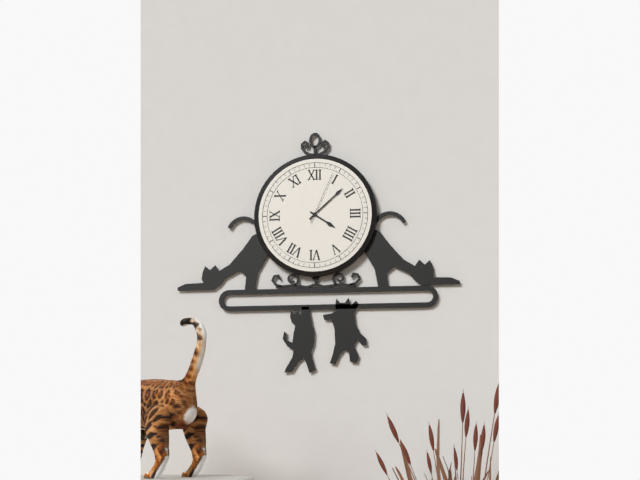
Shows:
4,08,04
